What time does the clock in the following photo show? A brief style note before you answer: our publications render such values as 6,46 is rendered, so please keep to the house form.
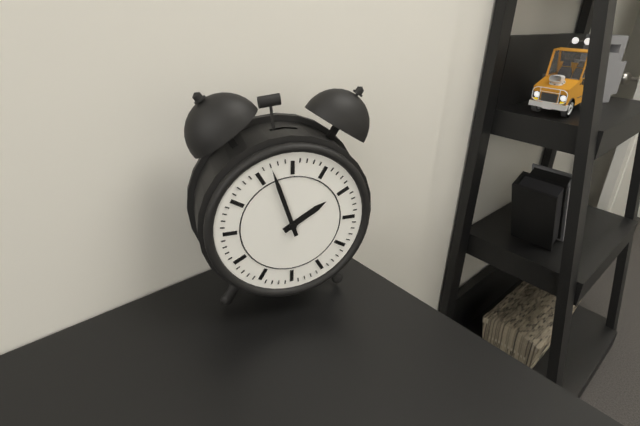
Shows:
1,57
